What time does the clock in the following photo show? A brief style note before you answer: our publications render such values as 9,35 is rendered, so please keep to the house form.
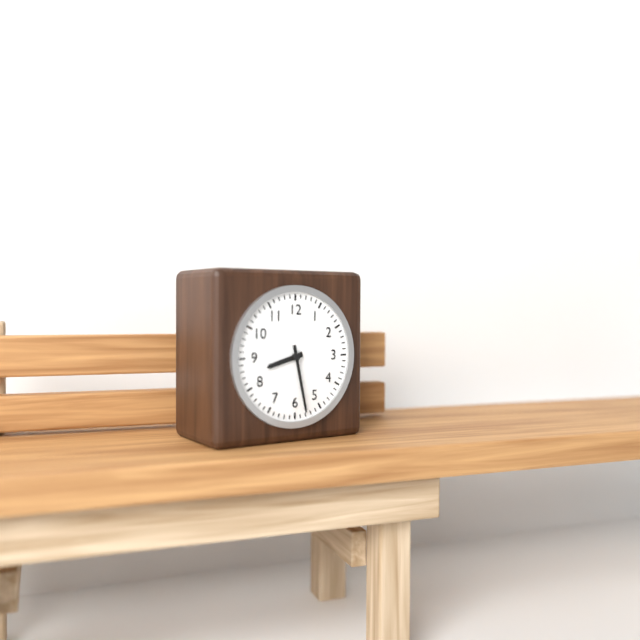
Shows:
8,28
